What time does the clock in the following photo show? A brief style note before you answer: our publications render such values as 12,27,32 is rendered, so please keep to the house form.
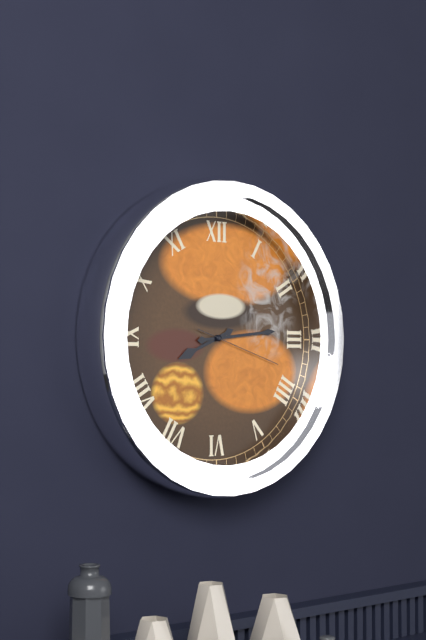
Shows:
8,14,18
